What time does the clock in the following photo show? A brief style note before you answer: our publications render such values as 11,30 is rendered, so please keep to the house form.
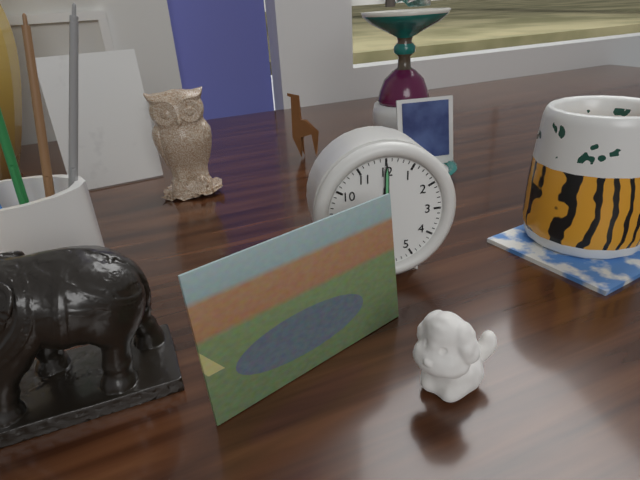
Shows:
12,00
